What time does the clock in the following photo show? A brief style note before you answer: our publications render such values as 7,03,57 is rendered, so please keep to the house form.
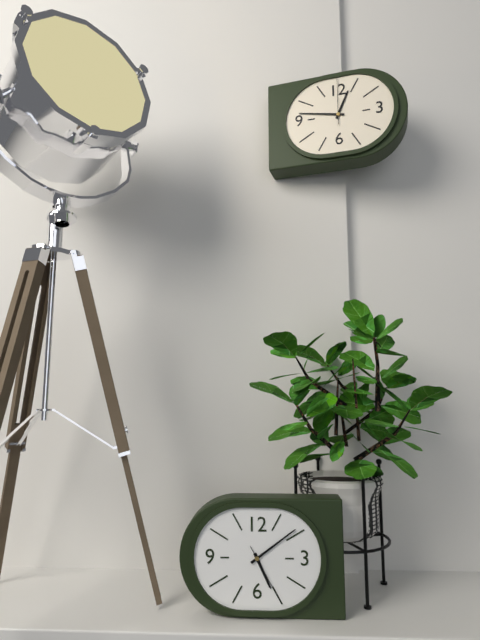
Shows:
5,09,25
